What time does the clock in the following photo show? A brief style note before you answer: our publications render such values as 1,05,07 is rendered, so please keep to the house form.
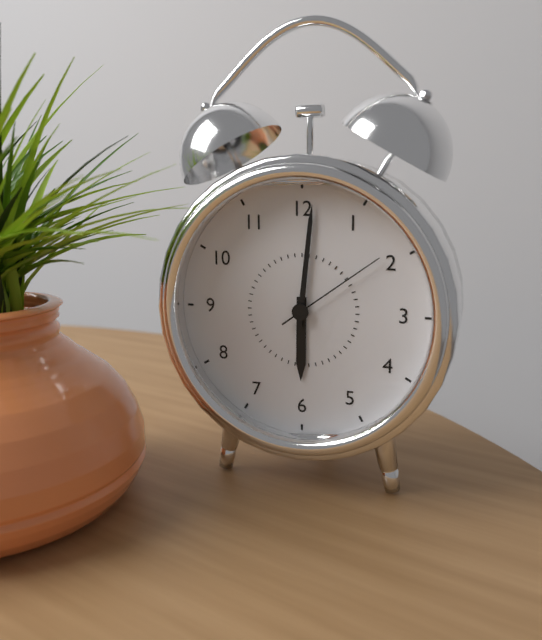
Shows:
6,01,09
